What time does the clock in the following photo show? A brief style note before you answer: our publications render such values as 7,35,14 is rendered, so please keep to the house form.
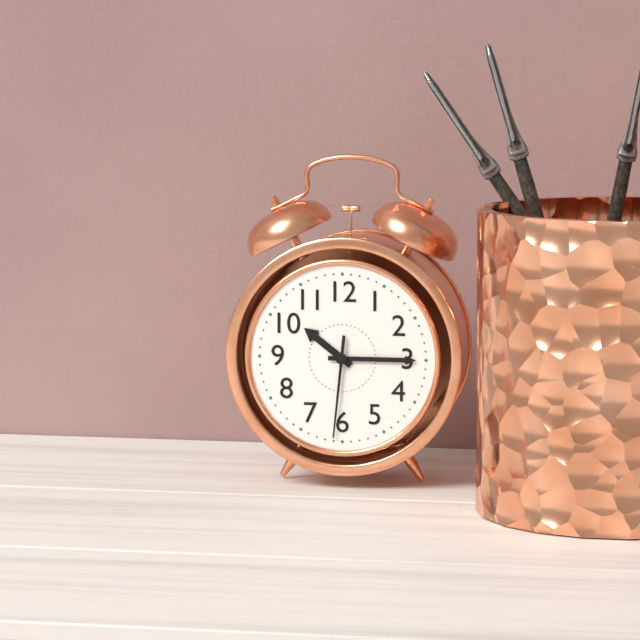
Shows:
10,15,31
